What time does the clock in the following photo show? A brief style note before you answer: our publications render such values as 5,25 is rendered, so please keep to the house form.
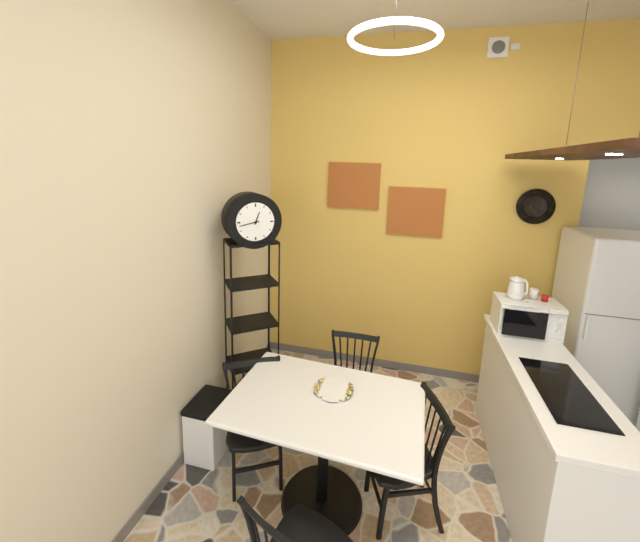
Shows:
12,43
